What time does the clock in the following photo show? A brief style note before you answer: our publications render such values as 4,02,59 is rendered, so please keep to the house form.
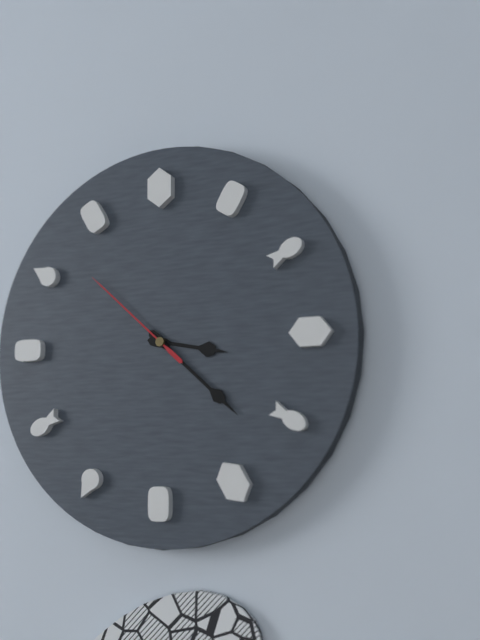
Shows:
3,22,52
